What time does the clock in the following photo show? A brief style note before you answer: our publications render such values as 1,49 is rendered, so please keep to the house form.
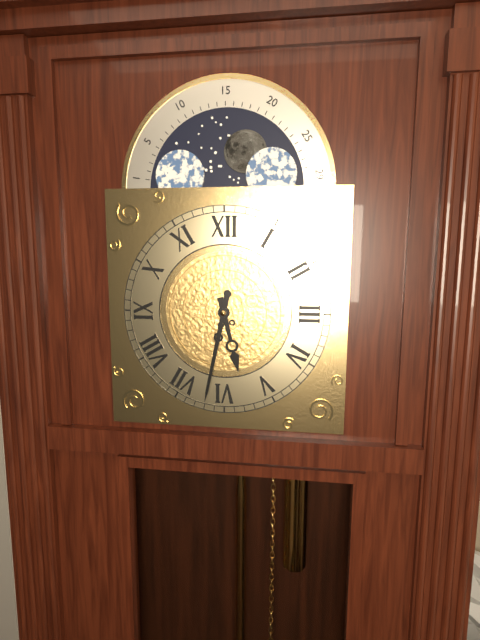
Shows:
5,32
